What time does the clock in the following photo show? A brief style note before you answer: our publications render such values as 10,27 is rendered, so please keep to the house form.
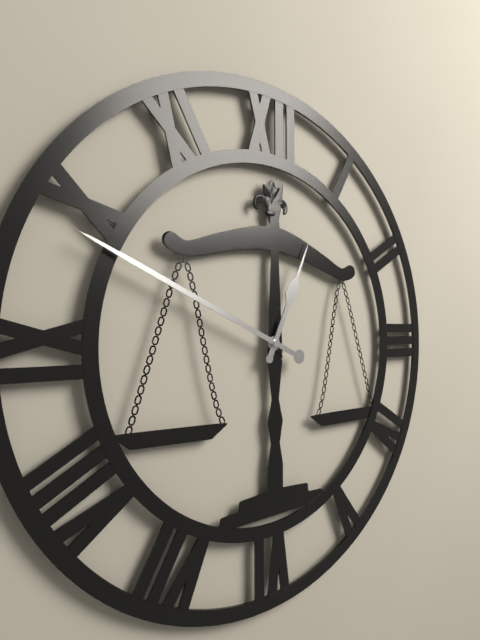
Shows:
12,49
